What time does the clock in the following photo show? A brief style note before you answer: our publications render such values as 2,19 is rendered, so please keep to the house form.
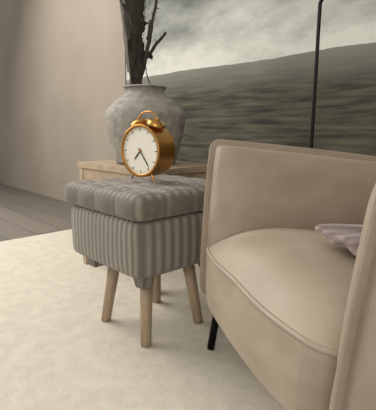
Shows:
7,24
